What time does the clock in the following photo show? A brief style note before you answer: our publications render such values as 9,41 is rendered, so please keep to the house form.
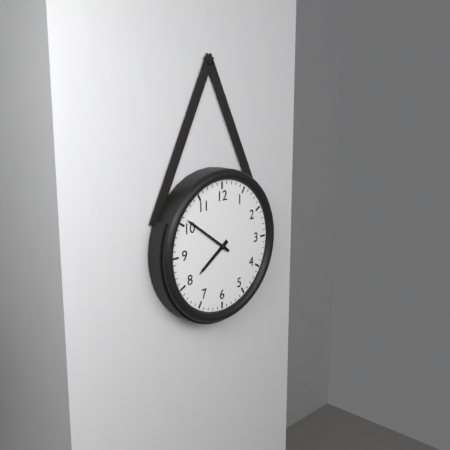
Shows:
7,51
